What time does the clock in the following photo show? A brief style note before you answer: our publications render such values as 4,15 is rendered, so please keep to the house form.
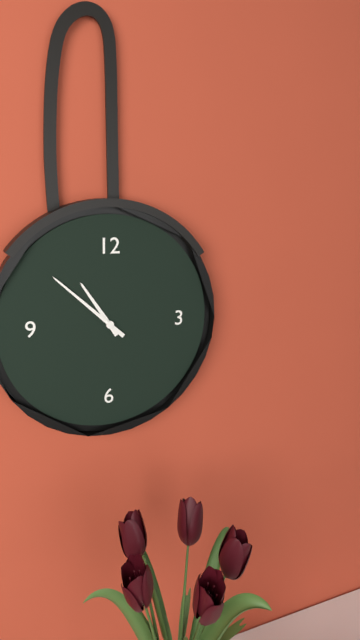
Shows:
10,52
